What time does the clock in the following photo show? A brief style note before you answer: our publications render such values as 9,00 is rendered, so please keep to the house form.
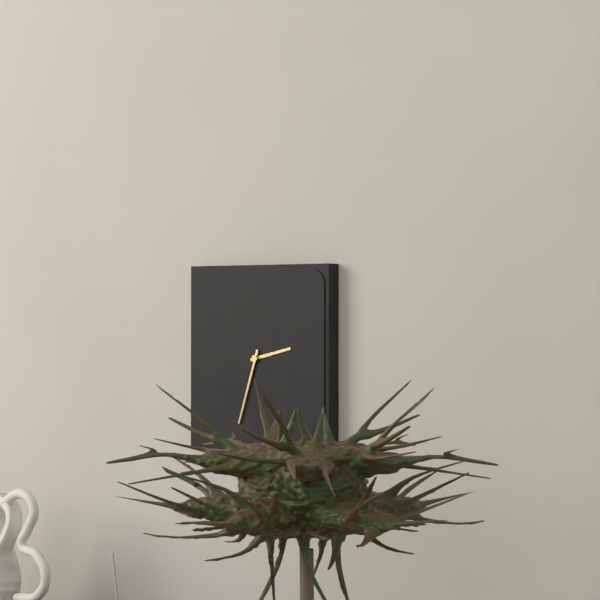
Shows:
2,33
